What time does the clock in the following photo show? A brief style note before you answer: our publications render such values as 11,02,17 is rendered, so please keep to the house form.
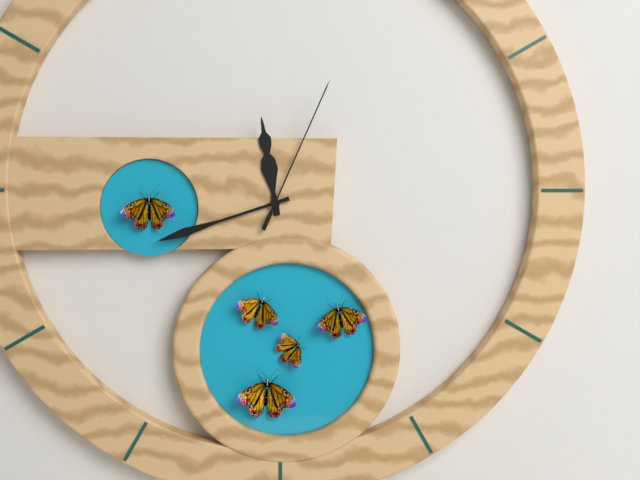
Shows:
11,42,04
